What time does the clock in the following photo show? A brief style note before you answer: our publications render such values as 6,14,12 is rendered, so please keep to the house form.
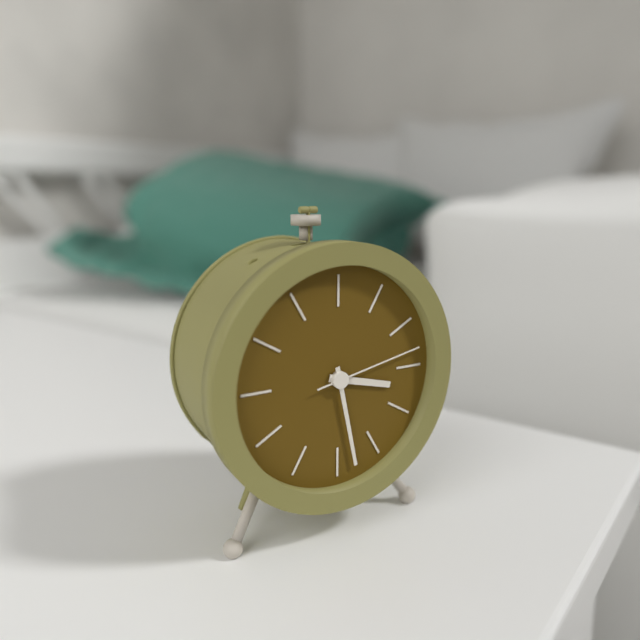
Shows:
3,28,13
